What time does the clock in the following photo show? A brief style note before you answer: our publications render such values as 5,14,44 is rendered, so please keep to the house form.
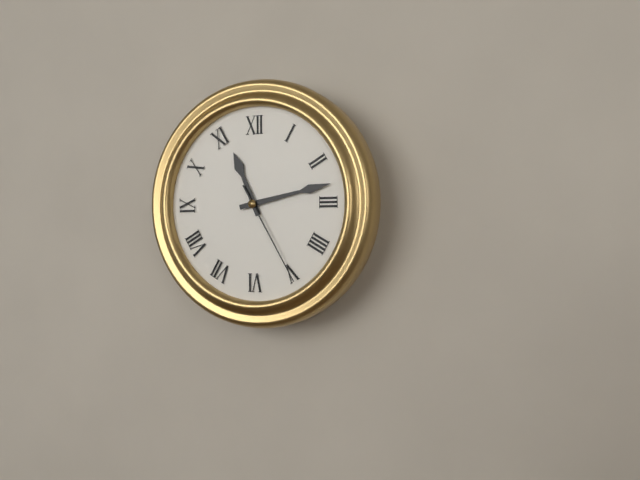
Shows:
11,13,25
